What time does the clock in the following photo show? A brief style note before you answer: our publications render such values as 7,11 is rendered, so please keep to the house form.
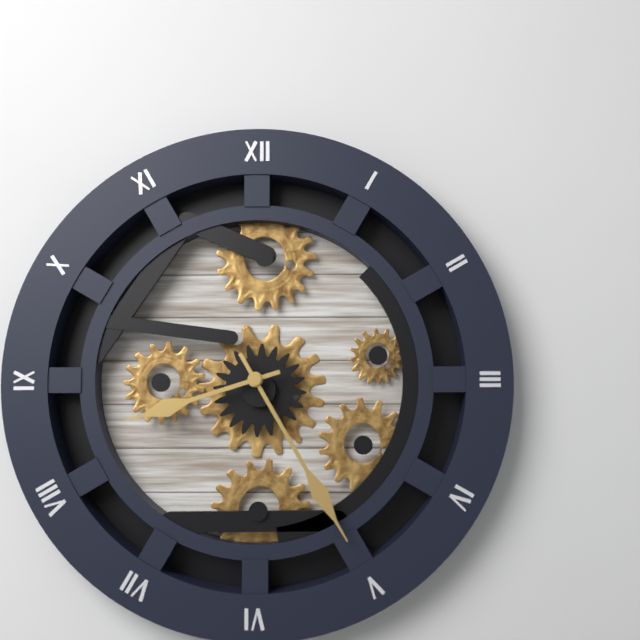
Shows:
8,25
